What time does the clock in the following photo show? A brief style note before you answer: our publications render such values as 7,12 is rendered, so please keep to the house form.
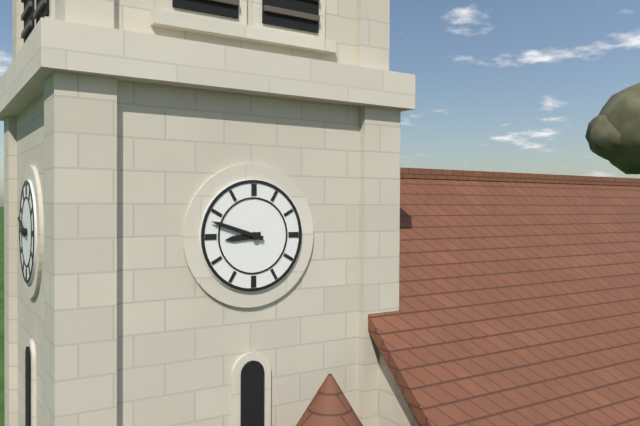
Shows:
8,48
